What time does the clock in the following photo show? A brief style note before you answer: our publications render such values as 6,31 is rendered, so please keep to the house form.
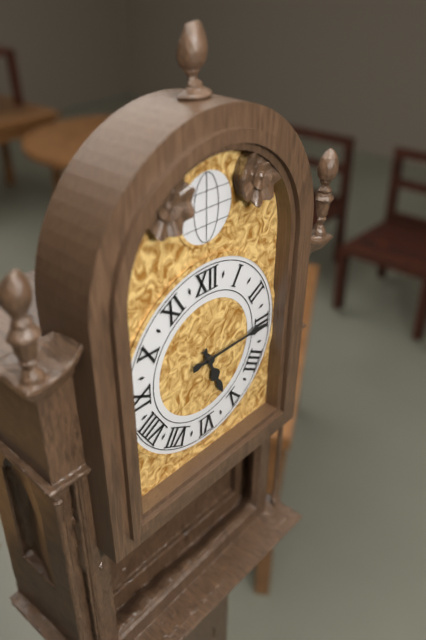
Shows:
5,15
